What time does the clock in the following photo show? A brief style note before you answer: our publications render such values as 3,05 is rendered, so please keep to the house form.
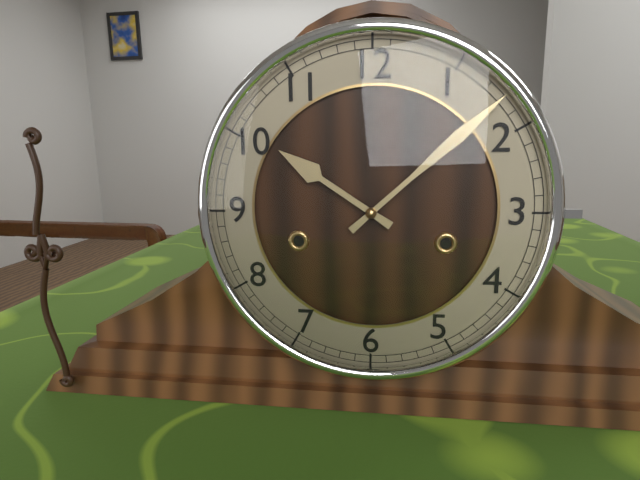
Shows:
10,08
